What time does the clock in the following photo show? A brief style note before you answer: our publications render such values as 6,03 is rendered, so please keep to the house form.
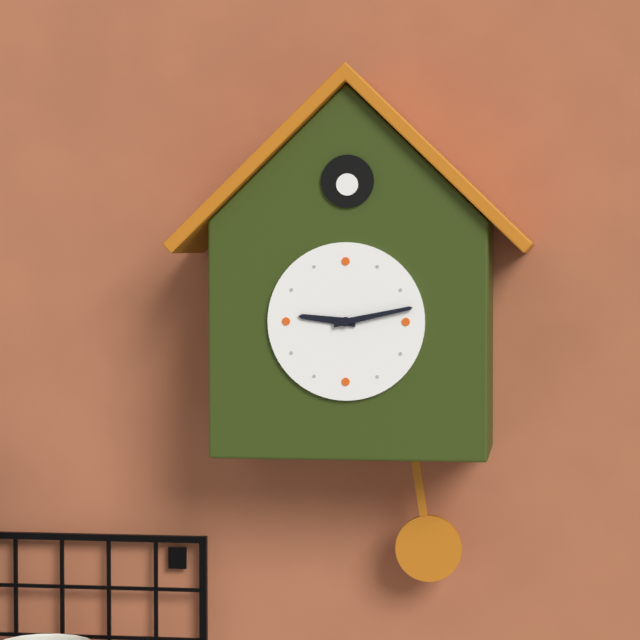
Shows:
9,13
